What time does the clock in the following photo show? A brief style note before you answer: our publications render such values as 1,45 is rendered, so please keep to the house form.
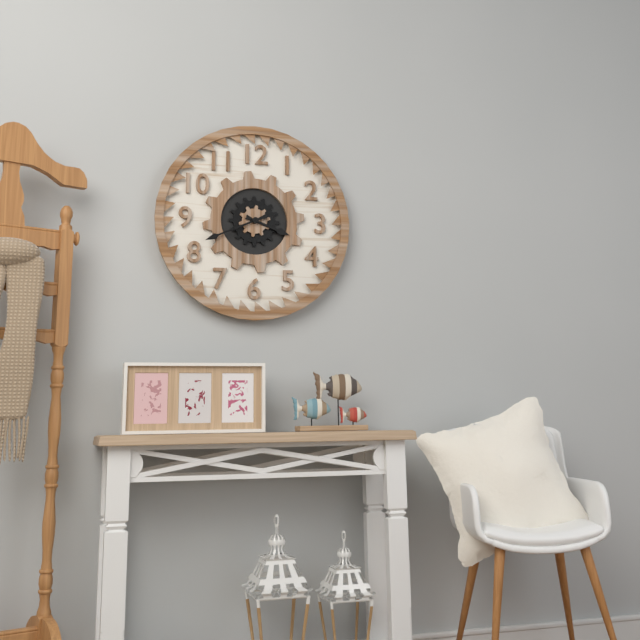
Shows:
3,41
